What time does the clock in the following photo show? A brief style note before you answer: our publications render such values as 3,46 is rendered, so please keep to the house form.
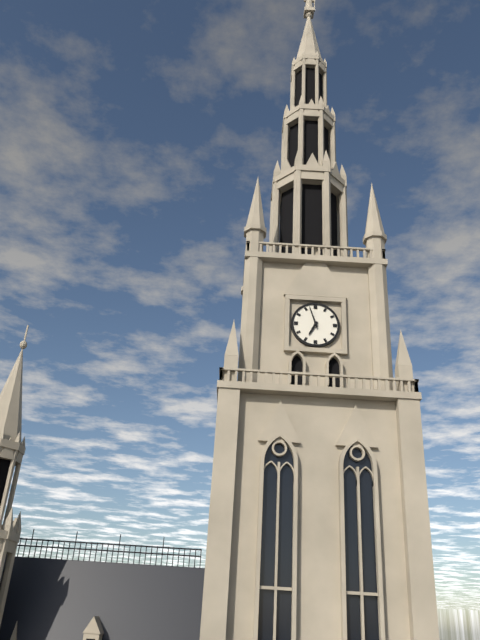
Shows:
6,57
